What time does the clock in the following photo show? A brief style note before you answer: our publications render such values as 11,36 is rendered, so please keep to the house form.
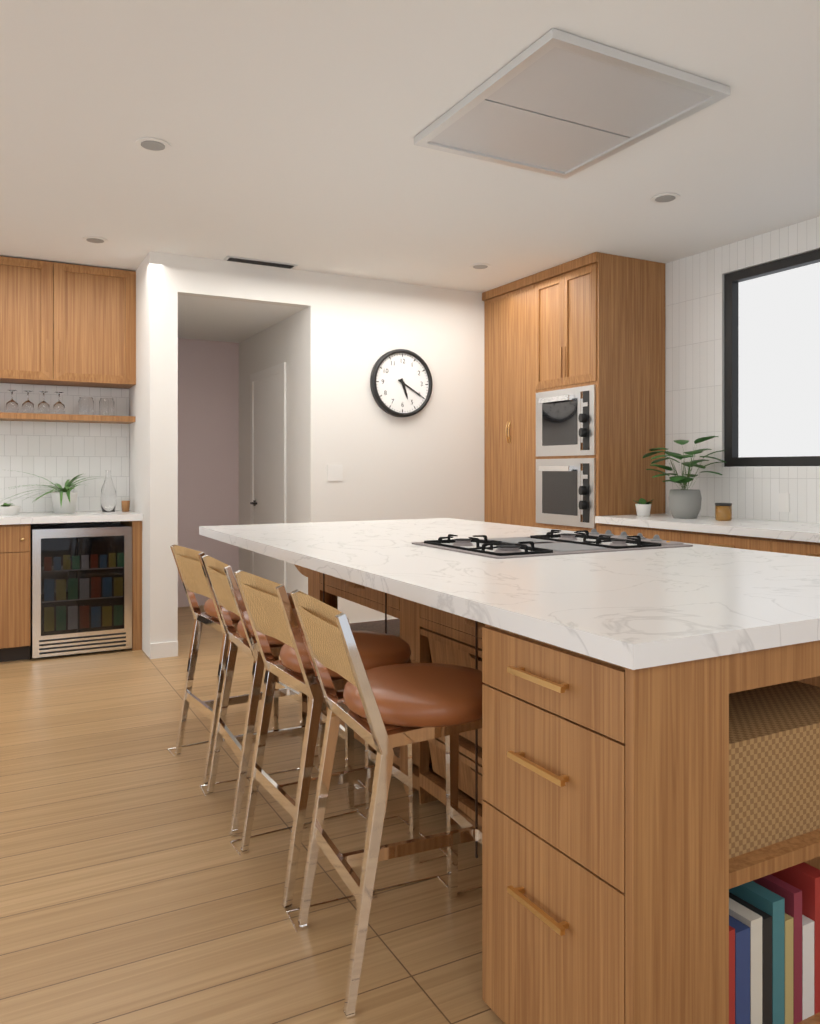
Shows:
5,20
